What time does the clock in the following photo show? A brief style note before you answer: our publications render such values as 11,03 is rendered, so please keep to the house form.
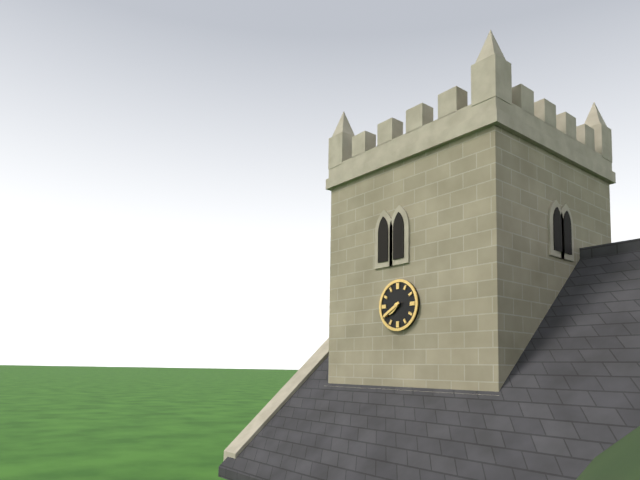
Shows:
7,40
